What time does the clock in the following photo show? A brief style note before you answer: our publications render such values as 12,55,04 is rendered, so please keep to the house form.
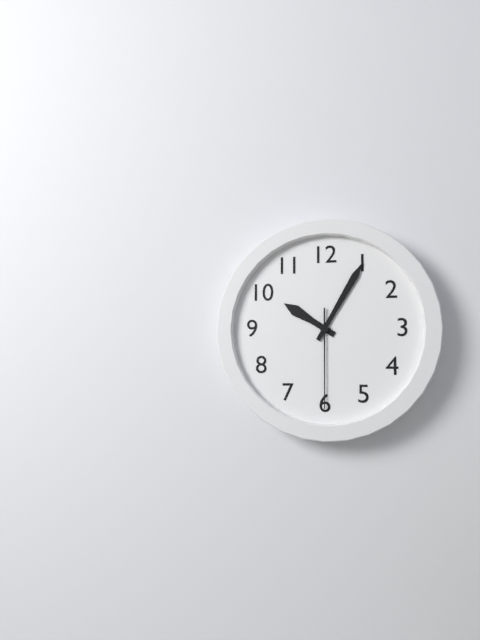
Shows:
10,05,30
